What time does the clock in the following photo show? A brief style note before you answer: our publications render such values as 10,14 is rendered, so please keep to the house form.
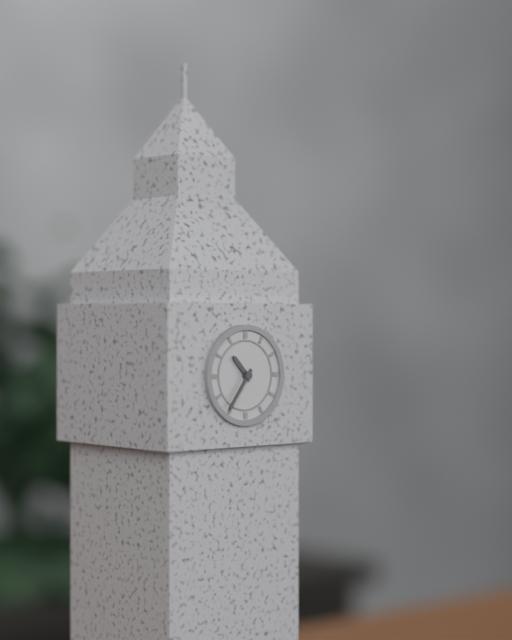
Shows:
10,36
